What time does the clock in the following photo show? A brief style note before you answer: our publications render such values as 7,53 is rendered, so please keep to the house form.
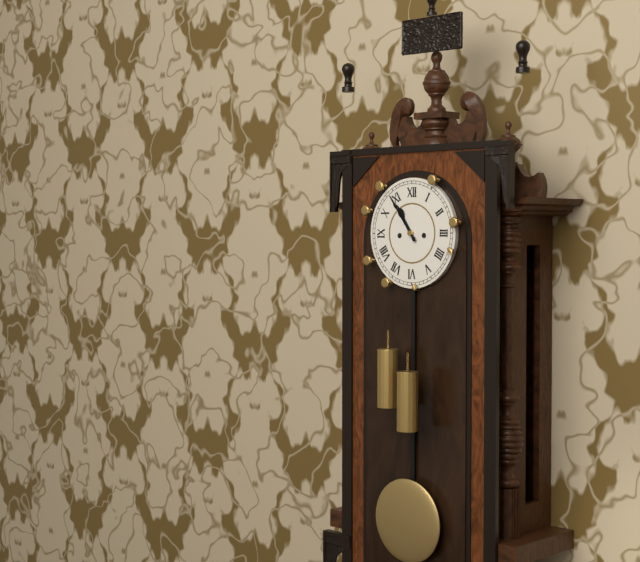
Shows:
10,54
